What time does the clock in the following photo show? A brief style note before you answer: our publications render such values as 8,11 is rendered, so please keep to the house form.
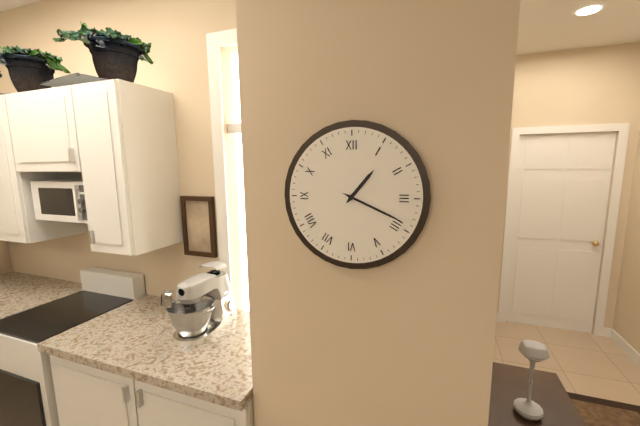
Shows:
1,19
